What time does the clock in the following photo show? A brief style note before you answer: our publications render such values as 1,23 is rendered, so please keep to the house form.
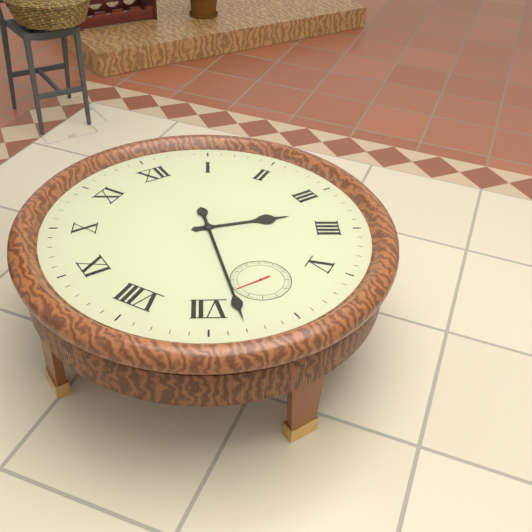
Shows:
3,33
